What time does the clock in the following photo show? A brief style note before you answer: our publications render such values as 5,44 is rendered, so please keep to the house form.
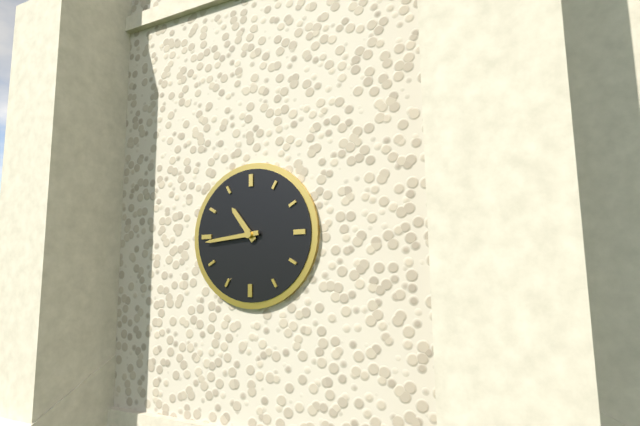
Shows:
10,44
